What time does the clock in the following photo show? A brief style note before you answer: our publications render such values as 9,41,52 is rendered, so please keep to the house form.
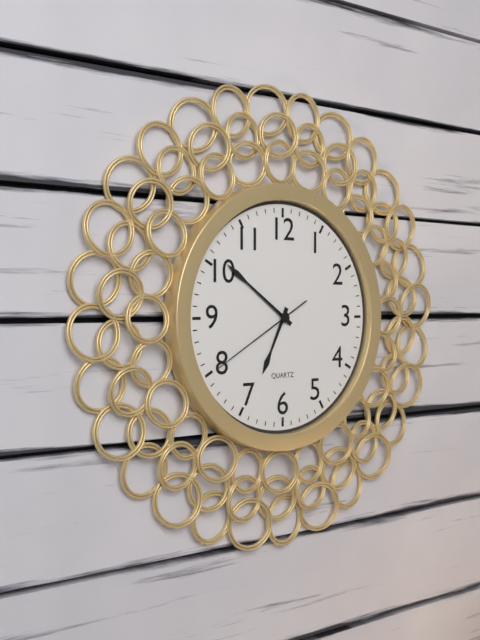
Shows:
6,51,40
